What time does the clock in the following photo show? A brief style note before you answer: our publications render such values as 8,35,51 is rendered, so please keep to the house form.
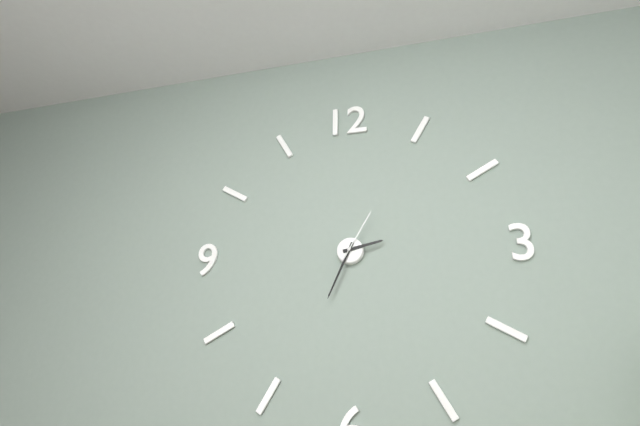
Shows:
2,34,05
